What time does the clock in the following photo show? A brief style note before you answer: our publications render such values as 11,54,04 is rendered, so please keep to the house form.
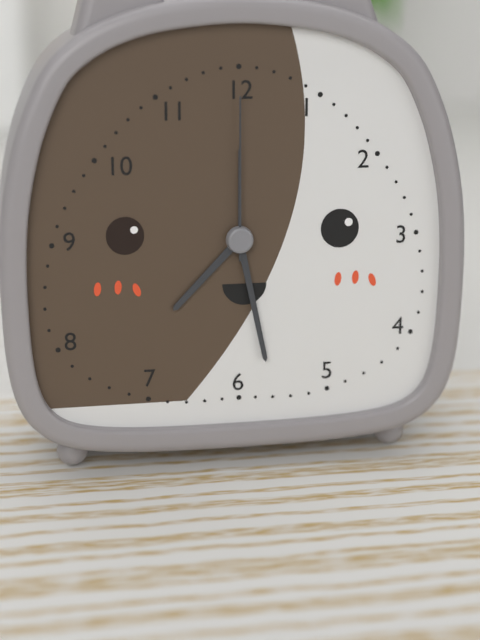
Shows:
7,28,00
